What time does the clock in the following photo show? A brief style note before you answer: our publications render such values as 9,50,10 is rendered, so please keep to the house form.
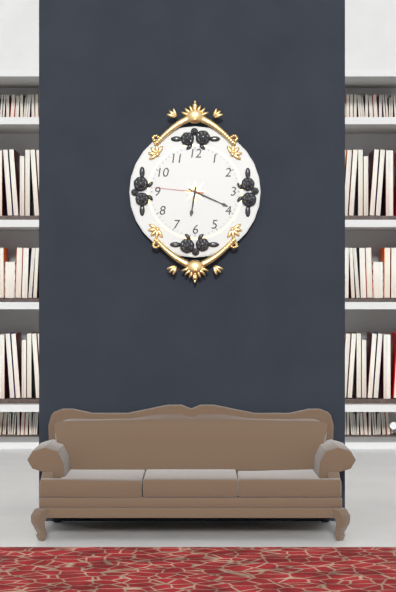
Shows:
6,19,46
